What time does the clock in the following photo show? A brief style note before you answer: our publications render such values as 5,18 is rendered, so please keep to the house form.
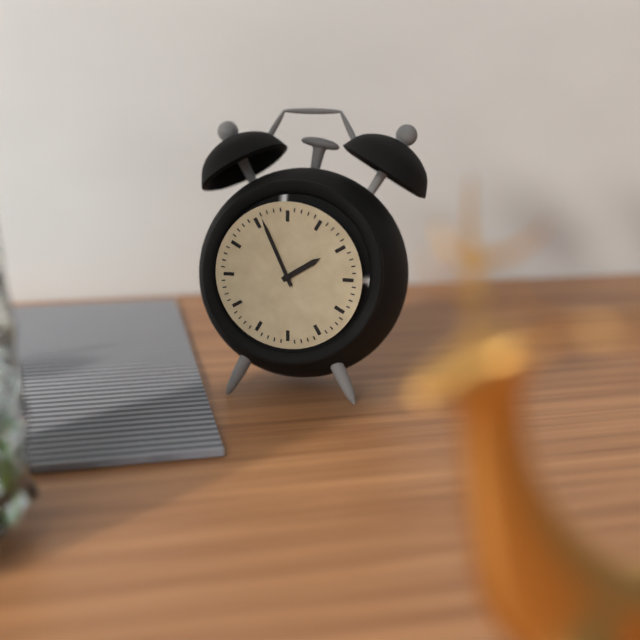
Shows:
1,56
